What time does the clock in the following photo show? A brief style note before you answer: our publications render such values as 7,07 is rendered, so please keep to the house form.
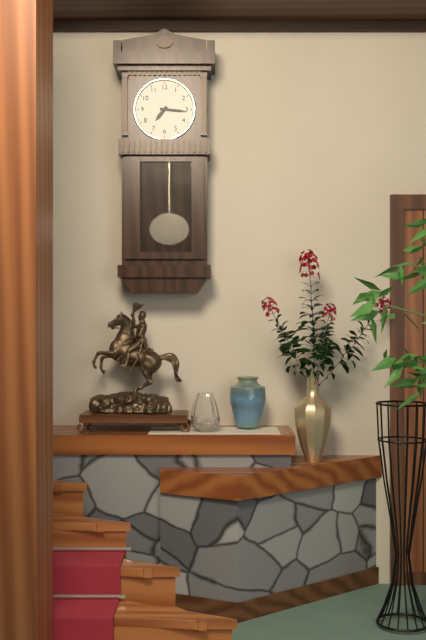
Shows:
7,16
